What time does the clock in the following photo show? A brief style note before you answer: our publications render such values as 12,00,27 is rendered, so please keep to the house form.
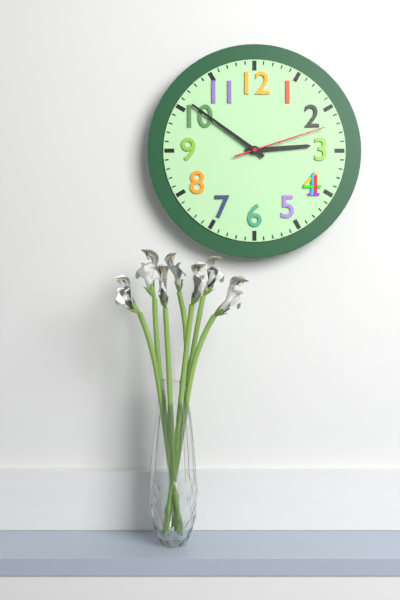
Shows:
2,51,12
